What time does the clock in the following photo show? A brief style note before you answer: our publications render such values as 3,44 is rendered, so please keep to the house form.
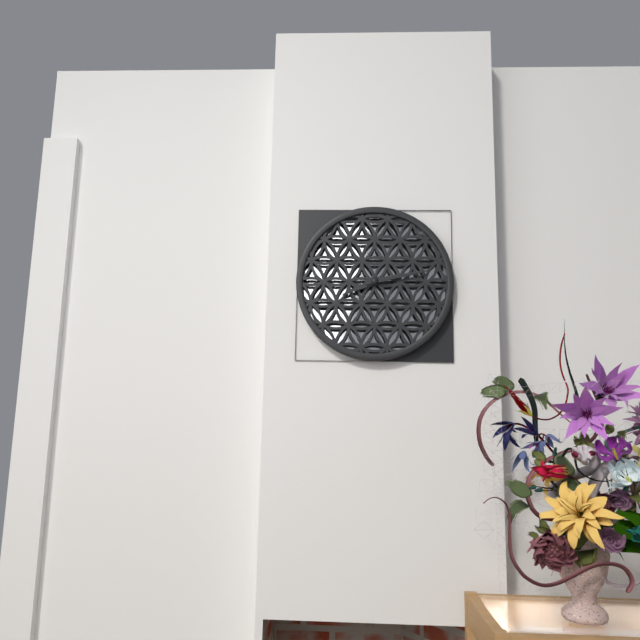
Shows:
8,13
